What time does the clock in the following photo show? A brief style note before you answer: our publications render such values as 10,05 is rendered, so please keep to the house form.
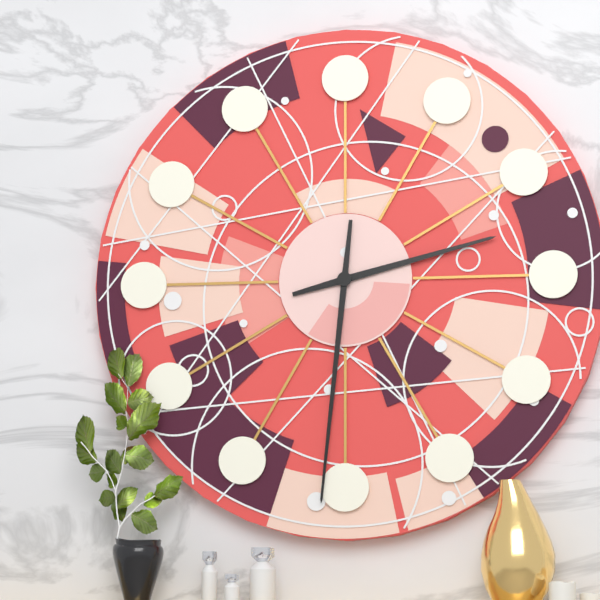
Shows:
2,31
